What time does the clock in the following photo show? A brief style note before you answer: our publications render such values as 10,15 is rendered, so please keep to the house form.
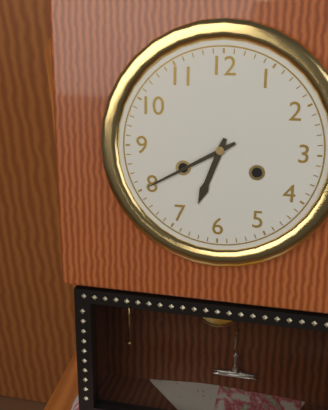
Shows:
6,40
